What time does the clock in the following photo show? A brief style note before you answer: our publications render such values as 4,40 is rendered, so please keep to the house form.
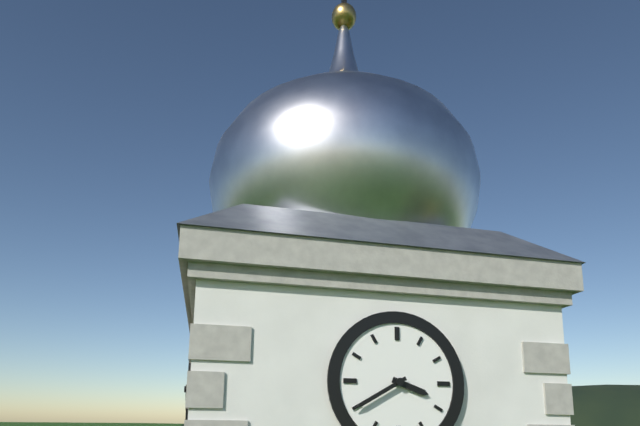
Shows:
3,40
